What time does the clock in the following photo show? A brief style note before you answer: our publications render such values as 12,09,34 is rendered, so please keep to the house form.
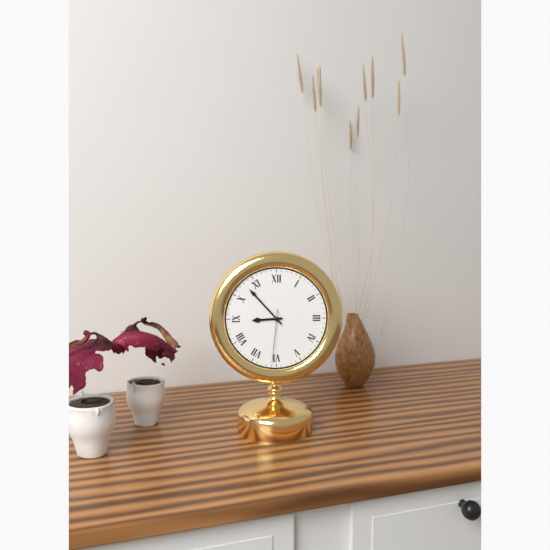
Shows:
8,53,31
